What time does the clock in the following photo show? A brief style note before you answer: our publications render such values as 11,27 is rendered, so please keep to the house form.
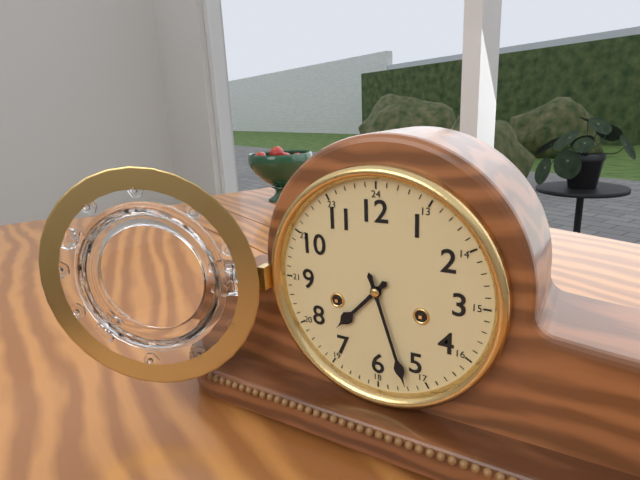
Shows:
7,27
